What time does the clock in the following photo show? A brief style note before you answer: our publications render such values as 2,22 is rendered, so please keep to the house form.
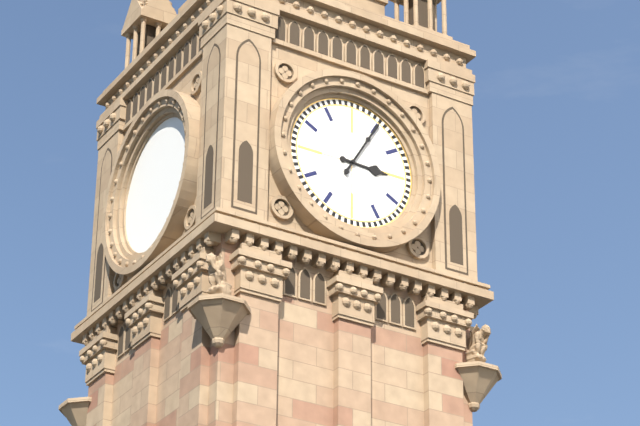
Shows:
3,05
